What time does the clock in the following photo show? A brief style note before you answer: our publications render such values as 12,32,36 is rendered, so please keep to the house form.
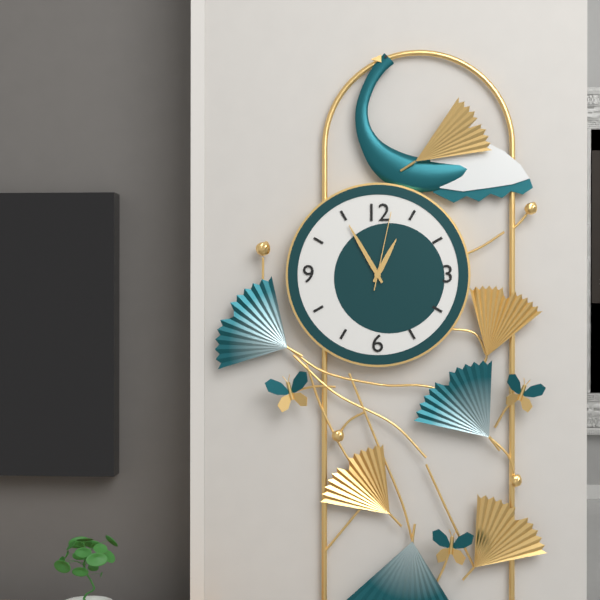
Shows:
12,55,02
